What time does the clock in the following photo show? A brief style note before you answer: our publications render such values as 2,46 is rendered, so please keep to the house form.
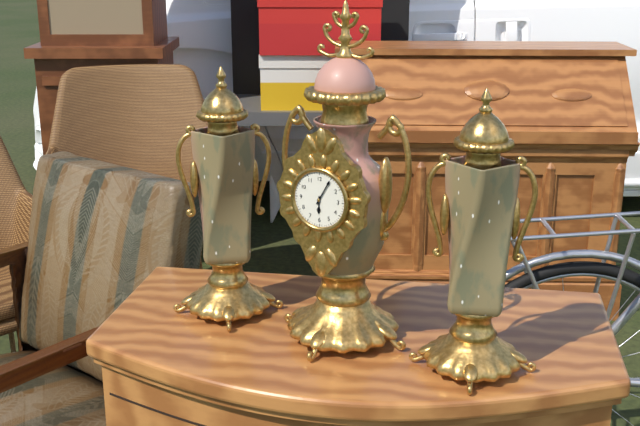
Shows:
6,05
